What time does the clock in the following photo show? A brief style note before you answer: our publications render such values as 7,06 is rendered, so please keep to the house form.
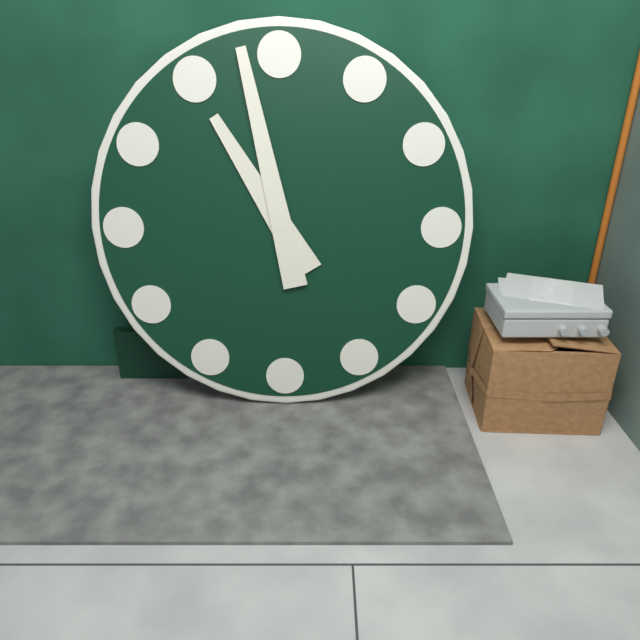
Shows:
10,58
